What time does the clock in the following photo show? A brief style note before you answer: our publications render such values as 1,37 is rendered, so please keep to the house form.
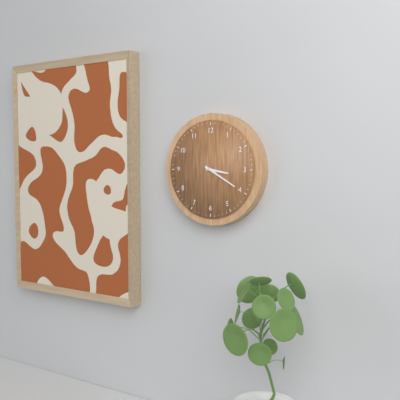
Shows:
3,20
